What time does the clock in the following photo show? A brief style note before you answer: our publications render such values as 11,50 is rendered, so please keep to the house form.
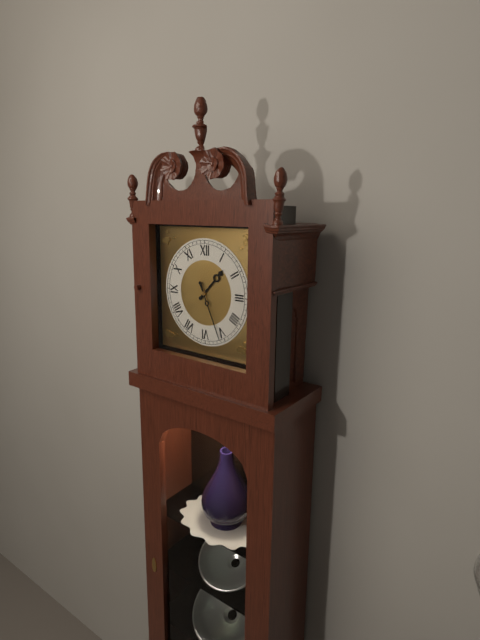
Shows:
1,26
